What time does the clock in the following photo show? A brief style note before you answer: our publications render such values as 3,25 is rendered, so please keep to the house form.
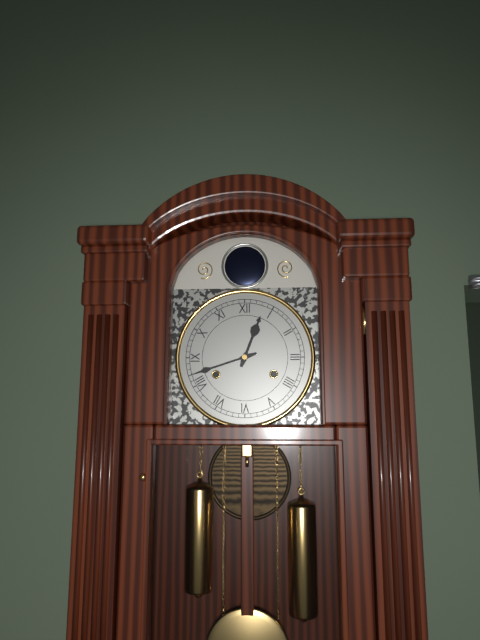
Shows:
12,42
